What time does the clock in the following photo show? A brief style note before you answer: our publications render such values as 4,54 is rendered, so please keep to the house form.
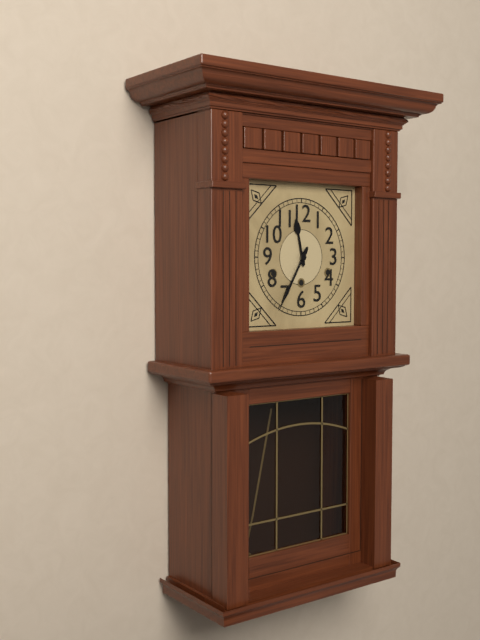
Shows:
11,35
